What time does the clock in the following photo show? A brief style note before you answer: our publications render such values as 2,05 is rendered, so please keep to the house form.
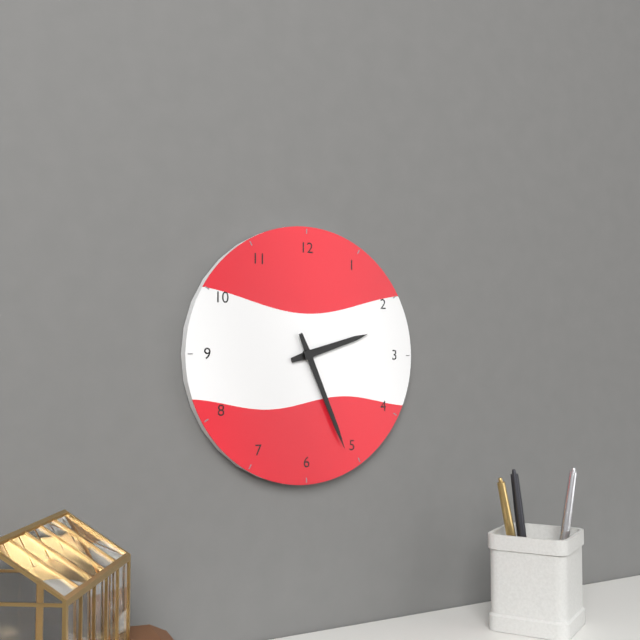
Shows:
2,26
